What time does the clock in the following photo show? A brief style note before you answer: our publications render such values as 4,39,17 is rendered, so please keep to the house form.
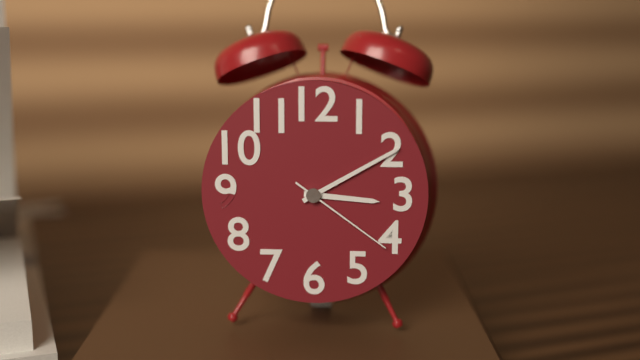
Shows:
3,10,21
